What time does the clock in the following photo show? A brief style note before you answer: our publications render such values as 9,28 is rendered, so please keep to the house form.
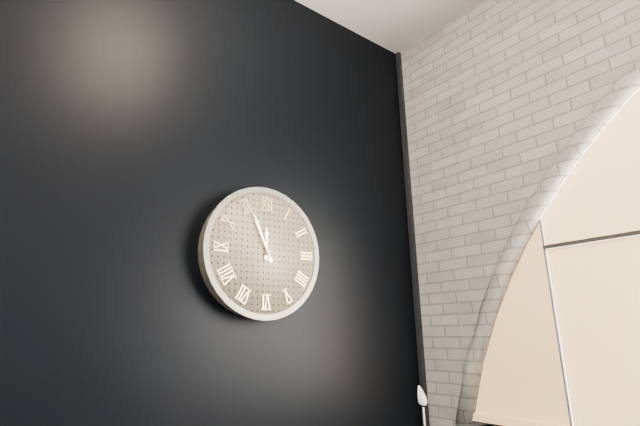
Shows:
11,56
